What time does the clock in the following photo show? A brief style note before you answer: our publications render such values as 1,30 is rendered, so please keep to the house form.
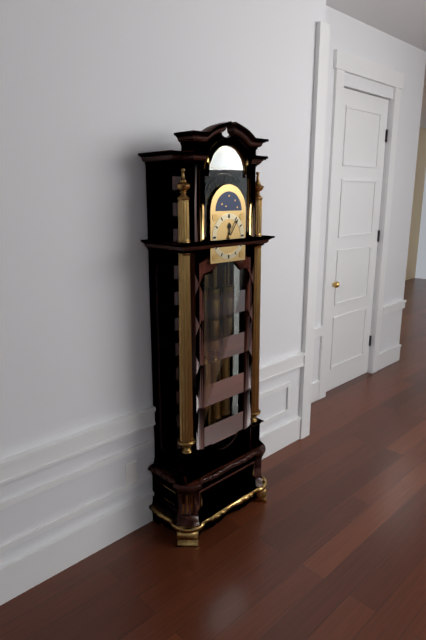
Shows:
12,06
